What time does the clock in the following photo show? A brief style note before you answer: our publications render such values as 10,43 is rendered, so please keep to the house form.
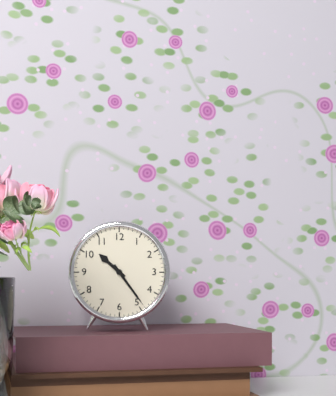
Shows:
10,24
